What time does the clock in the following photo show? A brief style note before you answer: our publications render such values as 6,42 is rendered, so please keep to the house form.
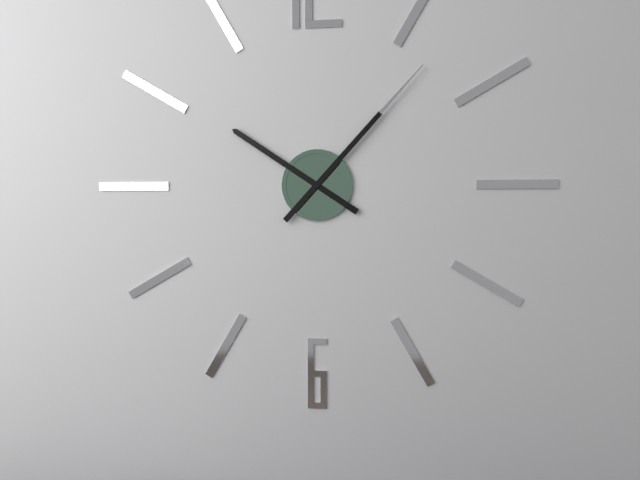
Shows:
10,07
